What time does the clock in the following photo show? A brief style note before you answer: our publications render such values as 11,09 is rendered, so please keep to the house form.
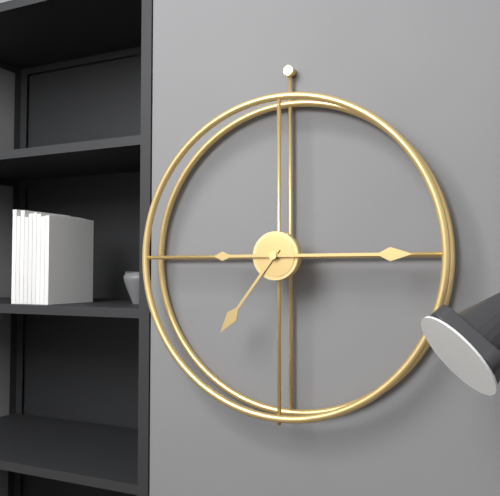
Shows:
7,15
